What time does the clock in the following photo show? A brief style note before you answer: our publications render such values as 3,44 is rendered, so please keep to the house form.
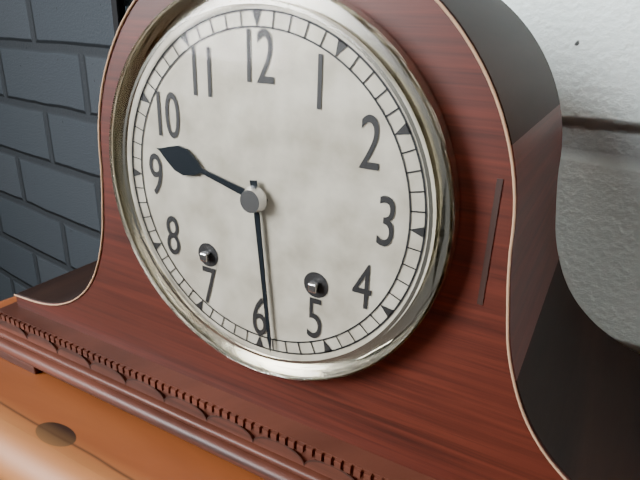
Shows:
9,29
